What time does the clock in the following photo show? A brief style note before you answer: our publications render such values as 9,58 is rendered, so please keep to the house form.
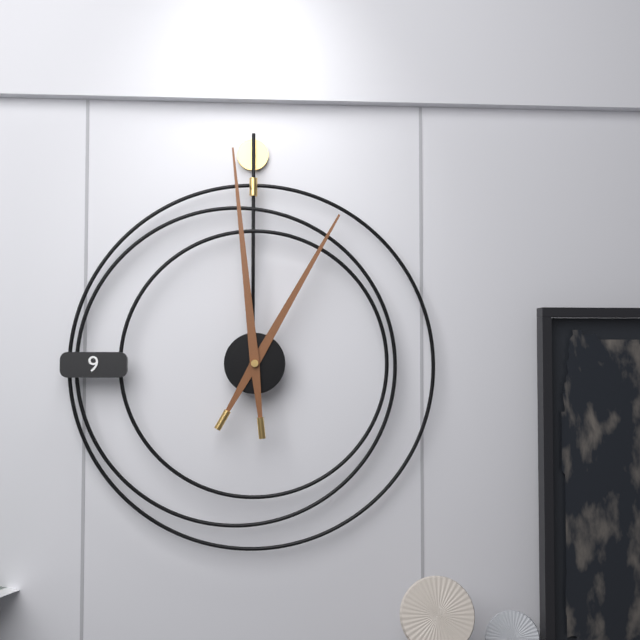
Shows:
12,59
